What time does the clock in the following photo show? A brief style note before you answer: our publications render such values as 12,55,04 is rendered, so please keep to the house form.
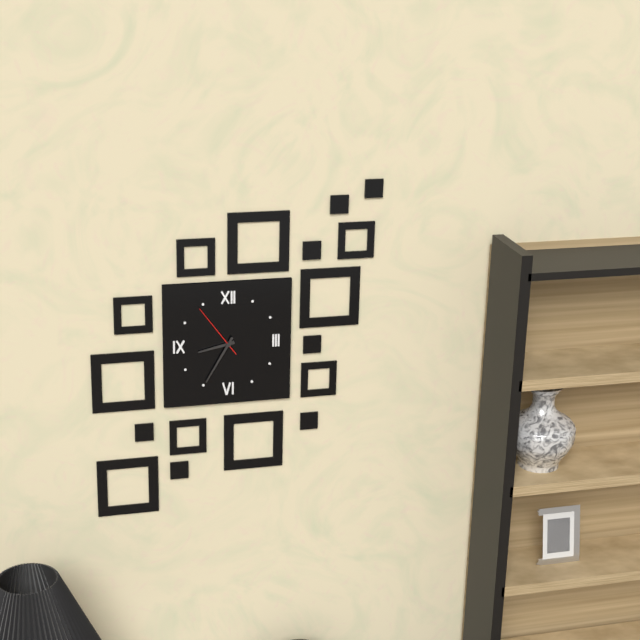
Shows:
8,35,54
